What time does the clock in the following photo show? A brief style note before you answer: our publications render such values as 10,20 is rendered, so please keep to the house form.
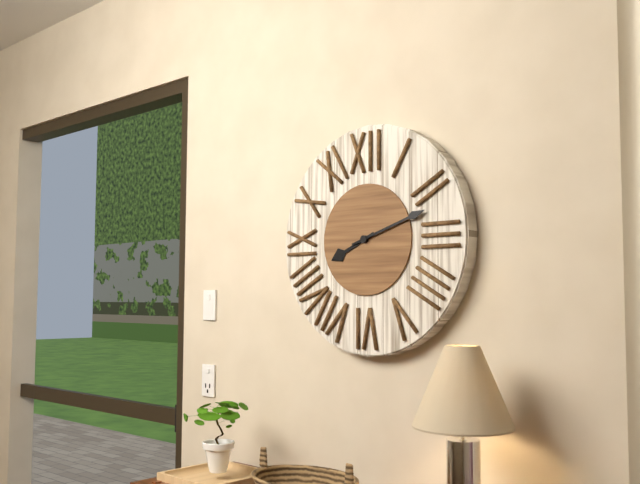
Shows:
8,12
